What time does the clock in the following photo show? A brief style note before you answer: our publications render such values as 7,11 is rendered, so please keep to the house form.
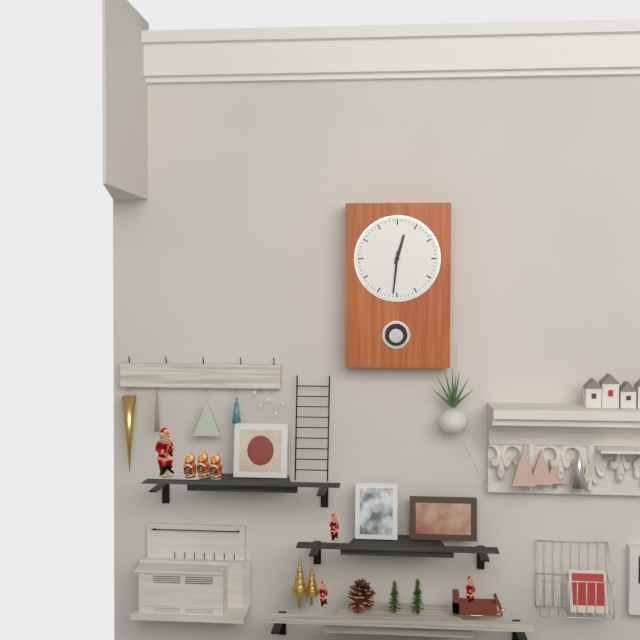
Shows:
12,31
